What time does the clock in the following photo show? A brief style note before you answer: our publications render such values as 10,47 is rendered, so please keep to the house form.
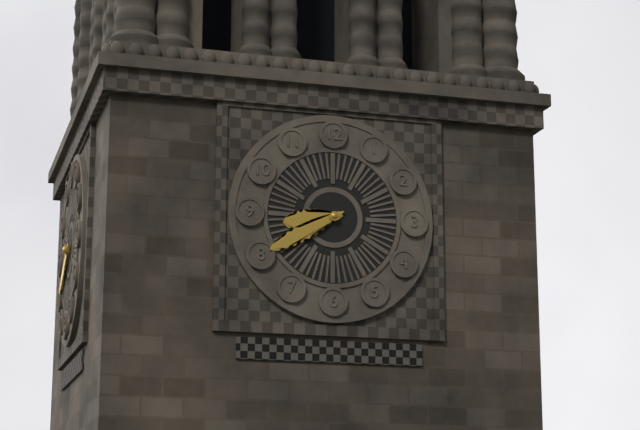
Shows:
8,40
